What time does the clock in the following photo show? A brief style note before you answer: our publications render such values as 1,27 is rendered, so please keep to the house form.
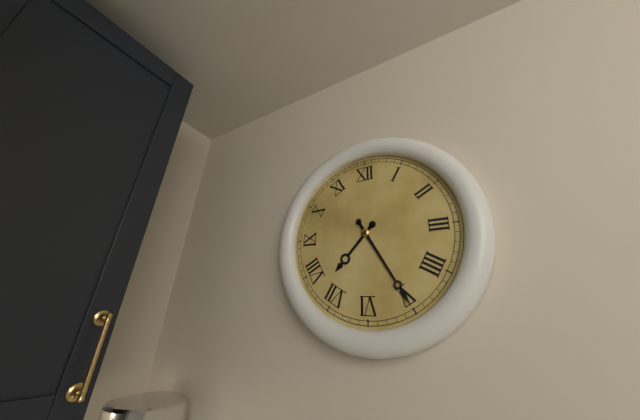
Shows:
7,25
